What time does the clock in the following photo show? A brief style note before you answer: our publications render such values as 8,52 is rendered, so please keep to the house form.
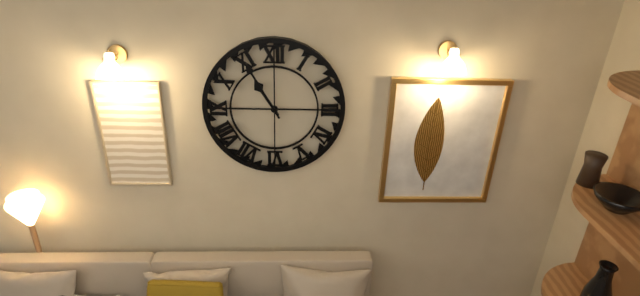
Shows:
10,55
